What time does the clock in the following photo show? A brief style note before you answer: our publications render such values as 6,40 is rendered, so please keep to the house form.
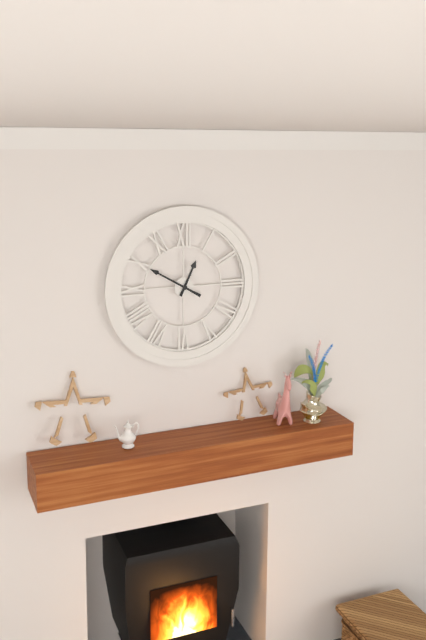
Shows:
12,50
